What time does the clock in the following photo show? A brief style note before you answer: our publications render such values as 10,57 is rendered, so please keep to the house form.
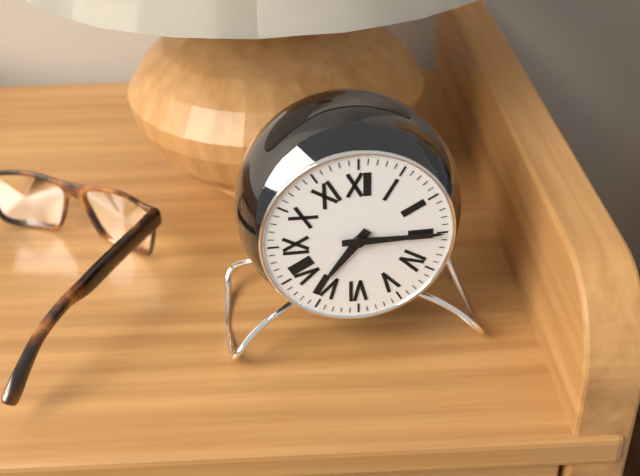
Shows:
7,15
